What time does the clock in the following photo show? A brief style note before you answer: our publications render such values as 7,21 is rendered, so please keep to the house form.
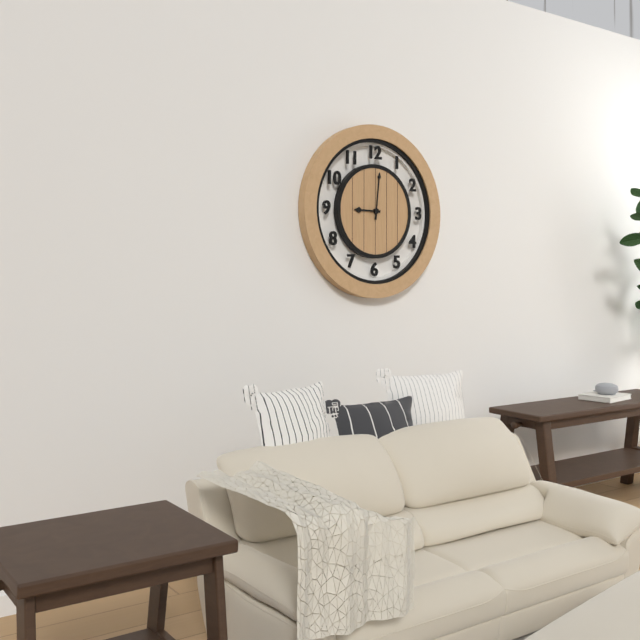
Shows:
9,01
